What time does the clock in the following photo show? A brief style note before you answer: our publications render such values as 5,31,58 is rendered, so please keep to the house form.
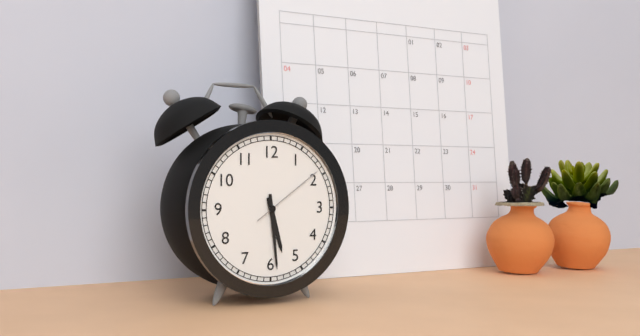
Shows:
5,29,09
